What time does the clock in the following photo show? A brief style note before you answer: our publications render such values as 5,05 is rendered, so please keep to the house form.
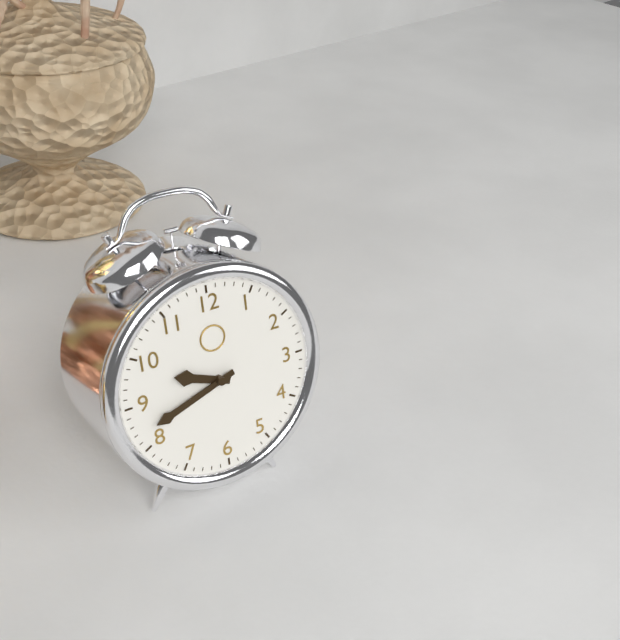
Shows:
9,42
